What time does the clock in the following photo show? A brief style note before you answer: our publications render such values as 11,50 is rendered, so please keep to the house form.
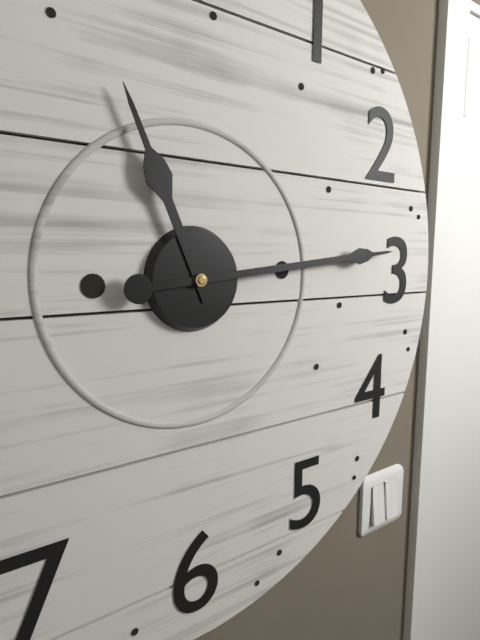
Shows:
11,14
